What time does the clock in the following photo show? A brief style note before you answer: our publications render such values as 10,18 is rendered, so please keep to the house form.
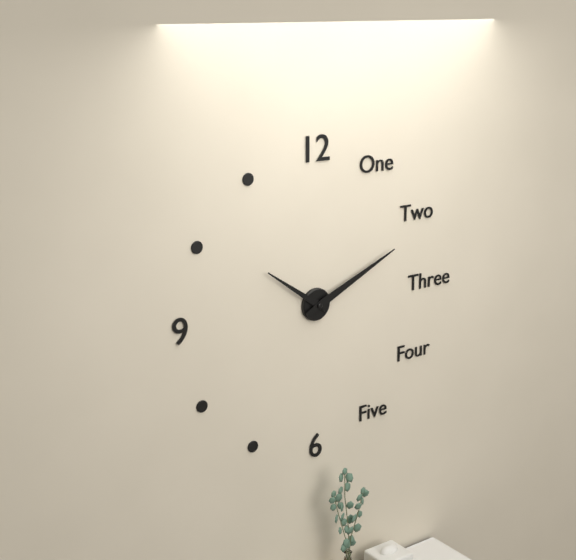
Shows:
10,11
